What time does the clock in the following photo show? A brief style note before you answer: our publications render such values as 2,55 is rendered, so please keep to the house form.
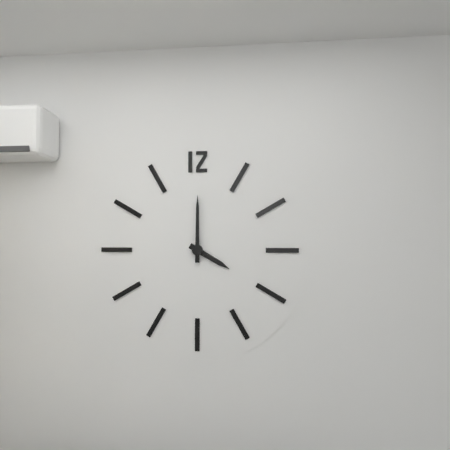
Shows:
4,00
